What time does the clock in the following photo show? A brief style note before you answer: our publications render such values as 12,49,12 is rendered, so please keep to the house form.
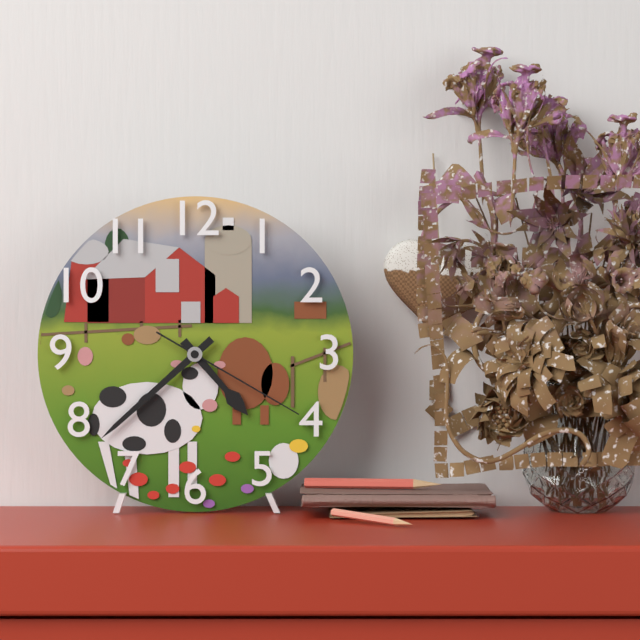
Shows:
4,38,20
